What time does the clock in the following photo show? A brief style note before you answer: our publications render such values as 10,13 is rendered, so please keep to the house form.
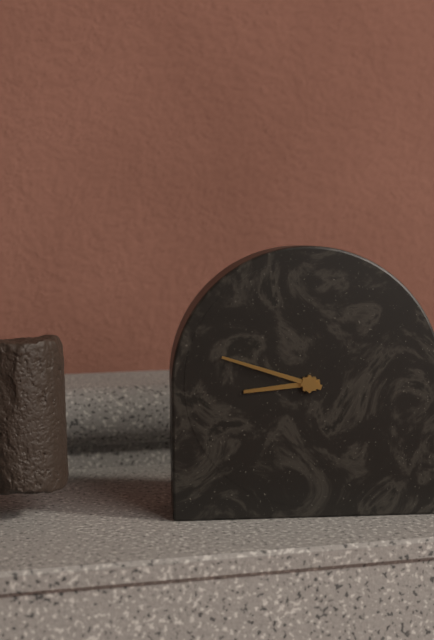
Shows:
8,48
